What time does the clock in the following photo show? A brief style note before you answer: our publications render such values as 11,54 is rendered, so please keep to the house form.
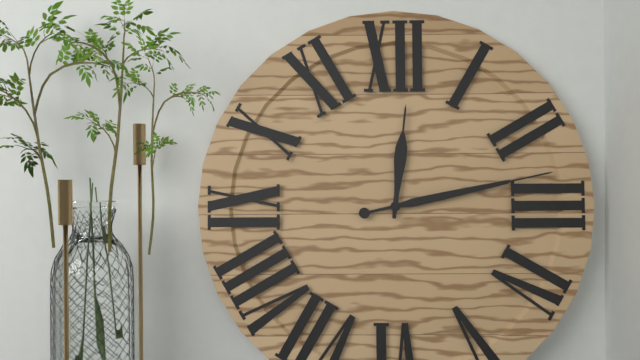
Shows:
12,13
